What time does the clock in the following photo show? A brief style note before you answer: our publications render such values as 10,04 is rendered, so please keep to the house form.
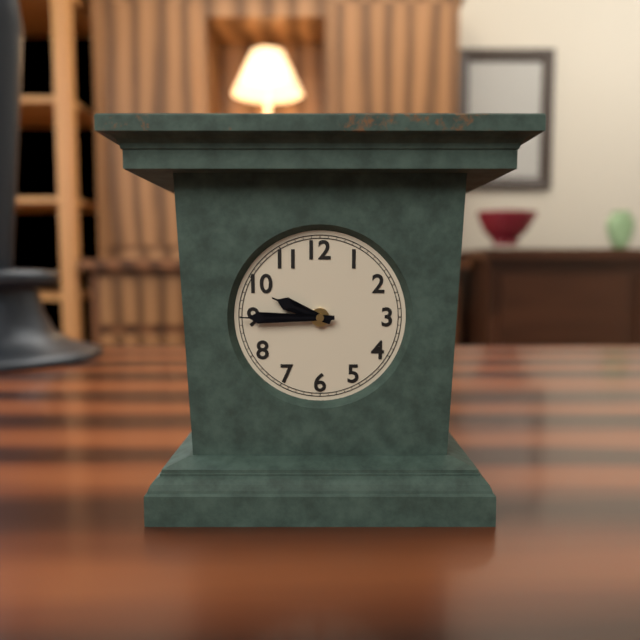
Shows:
9,45
